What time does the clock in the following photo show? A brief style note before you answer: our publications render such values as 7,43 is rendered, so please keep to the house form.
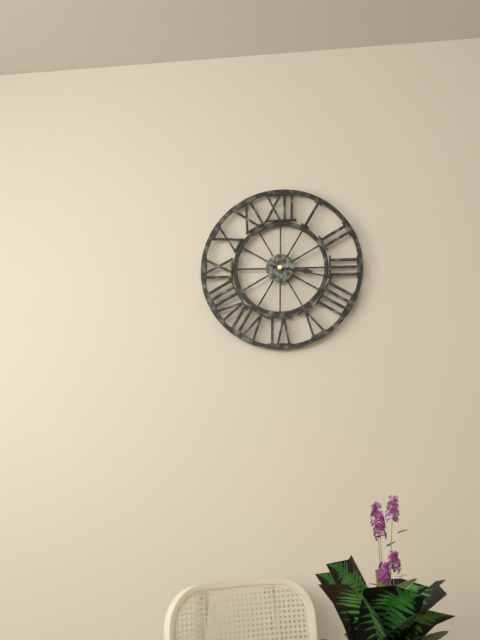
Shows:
3,17
